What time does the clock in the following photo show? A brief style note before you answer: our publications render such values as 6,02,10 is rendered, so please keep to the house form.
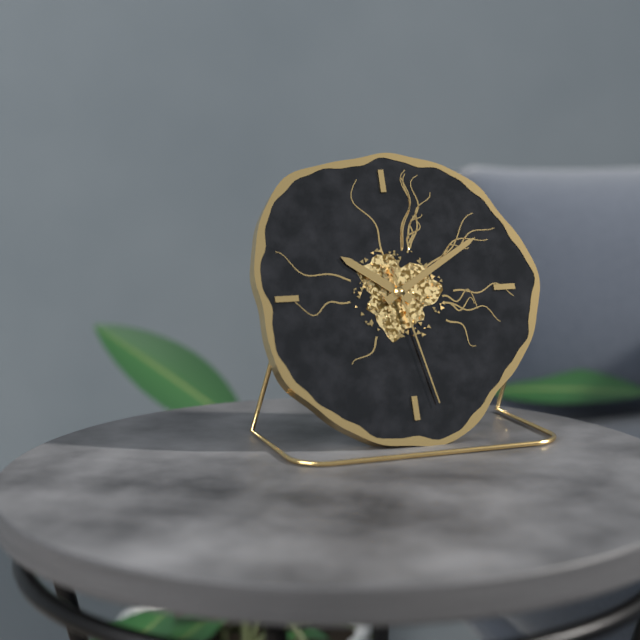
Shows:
10,10,28
